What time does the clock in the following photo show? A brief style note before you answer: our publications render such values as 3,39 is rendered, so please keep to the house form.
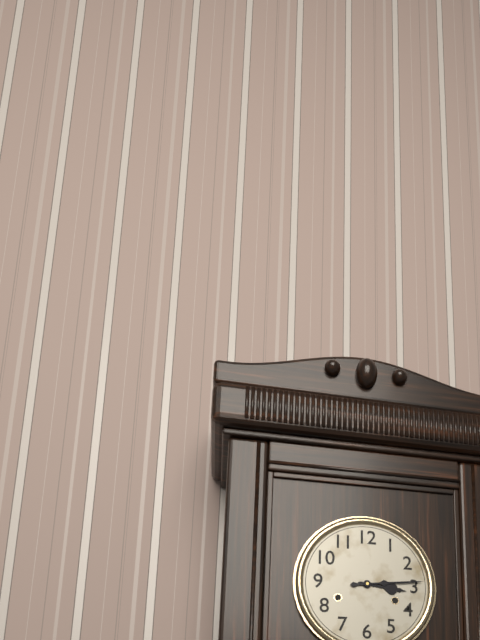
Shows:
3,14
